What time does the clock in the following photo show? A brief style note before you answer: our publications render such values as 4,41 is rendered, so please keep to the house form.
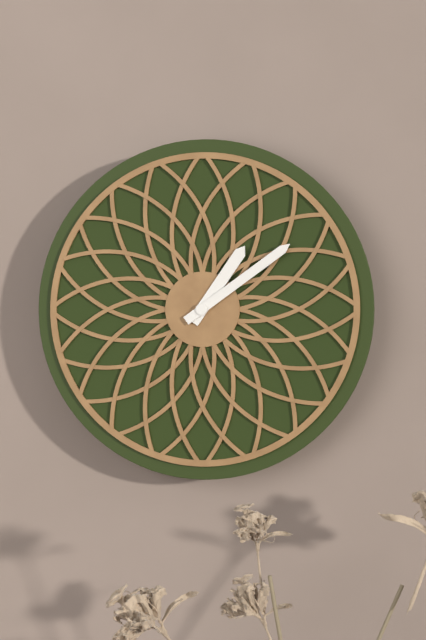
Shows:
1,09
